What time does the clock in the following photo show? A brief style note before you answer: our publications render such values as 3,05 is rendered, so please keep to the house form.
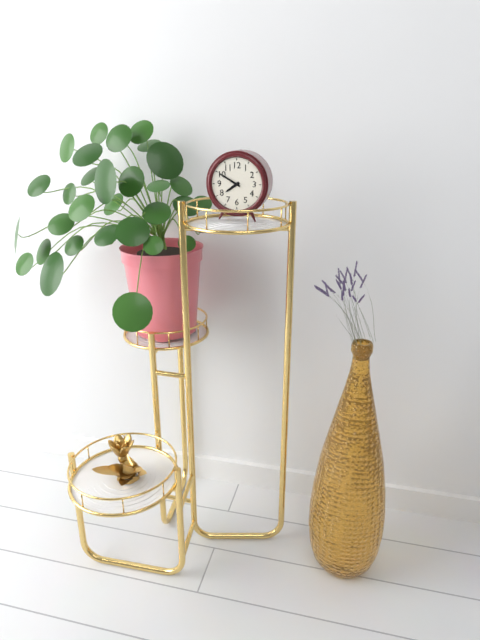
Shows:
7,50
